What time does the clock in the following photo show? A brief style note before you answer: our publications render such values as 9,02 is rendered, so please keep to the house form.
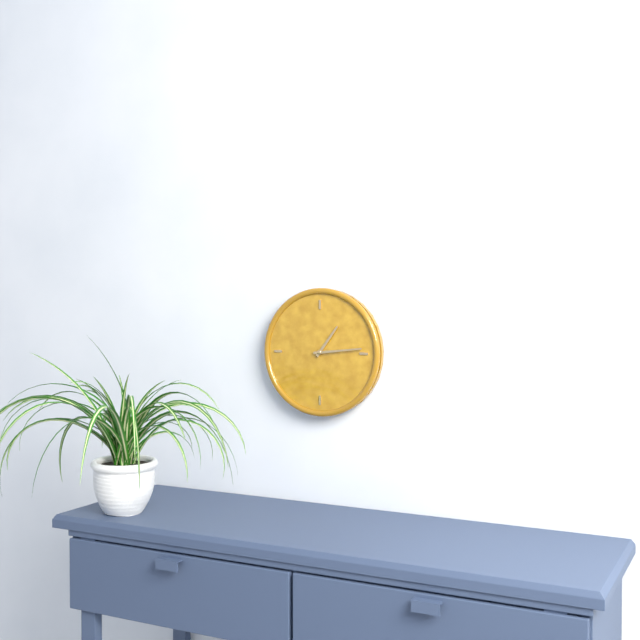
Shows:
1,14
